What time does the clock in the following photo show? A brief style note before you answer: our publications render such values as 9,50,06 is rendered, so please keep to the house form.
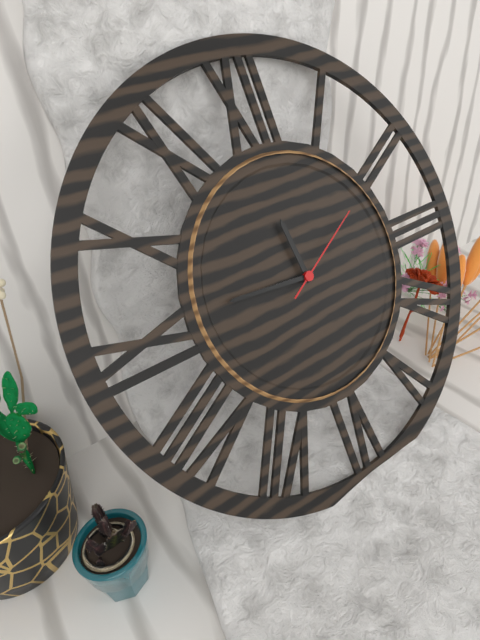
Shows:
11,46,10
